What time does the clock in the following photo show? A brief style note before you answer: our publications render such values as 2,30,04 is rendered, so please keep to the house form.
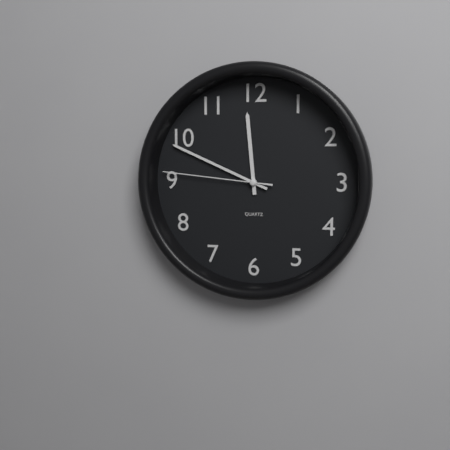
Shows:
11,49,46
